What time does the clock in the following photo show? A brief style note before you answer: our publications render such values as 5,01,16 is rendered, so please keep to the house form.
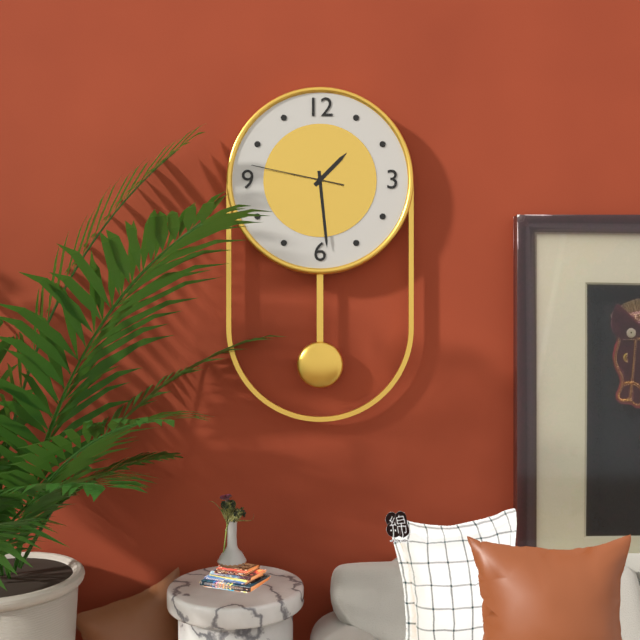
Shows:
1,29,47
